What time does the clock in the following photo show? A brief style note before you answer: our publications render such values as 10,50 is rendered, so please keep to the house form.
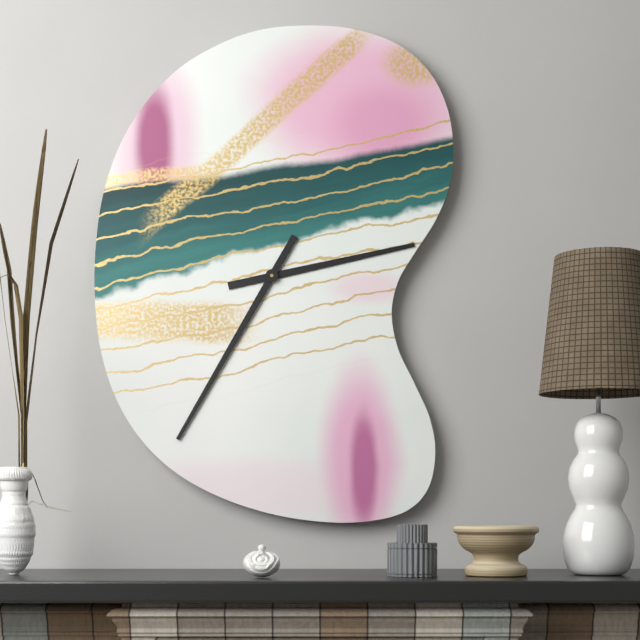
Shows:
2,35
